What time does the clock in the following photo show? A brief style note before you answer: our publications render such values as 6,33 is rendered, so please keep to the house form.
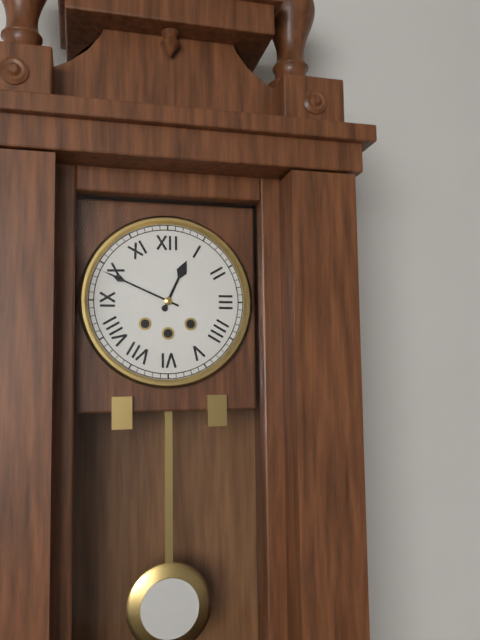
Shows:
12,49
